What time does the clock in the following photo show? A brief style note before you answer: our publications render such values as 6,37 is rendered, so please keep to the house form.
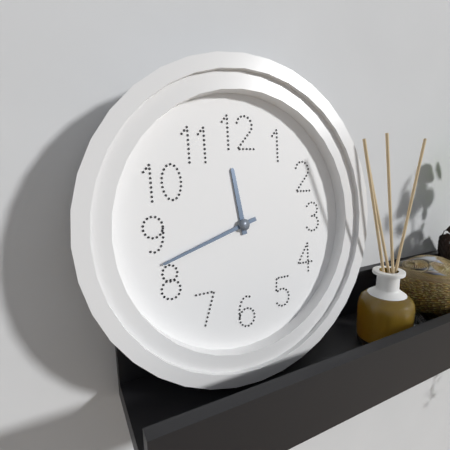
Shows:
11,42
